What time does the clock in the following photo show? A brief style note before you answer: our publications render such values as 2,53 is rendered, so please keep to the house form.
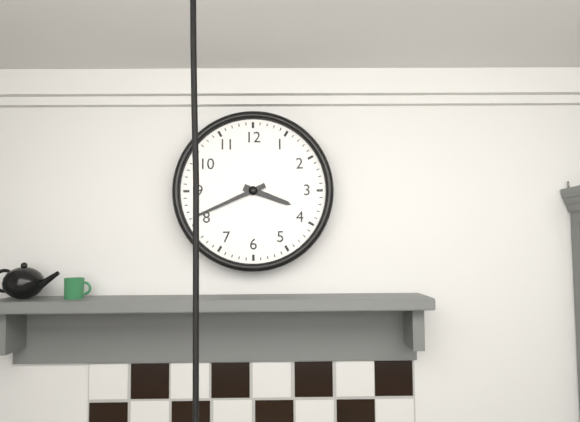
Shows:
3,41
